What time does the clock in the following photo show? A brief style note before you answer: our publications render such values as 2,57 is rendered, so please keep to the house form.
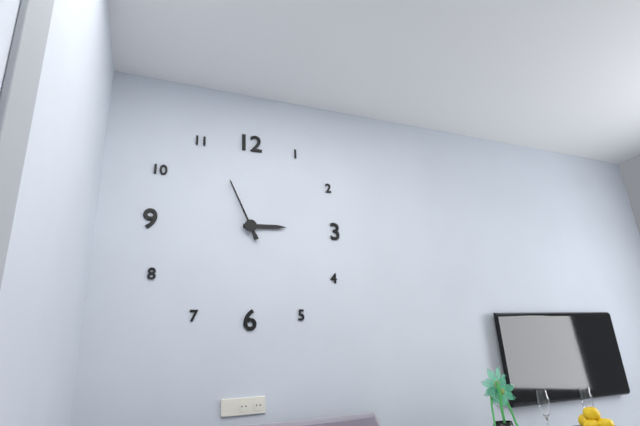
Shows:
2,56
